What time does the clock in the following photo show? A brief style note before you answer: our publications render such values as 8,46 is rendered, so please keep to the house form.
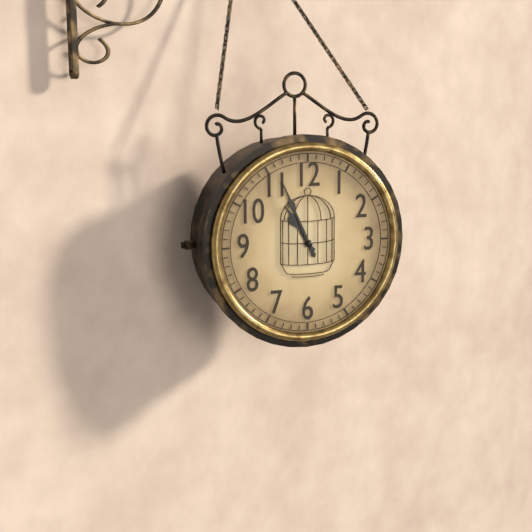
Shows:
10,56
